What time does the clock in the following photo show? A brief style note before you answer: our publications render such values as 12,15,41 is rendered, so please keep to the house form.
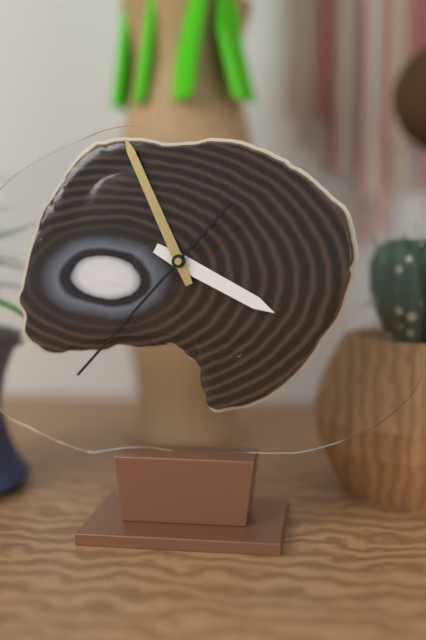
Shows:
3,56,37
